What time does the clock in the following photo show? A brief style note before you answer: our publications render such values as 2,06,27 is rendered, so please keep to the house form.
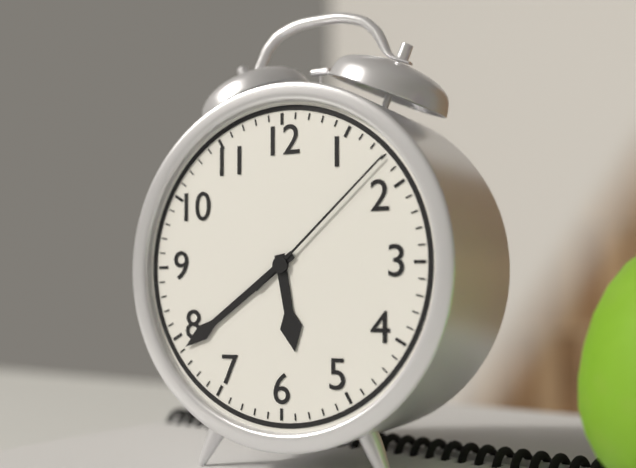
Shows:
5,39,08
